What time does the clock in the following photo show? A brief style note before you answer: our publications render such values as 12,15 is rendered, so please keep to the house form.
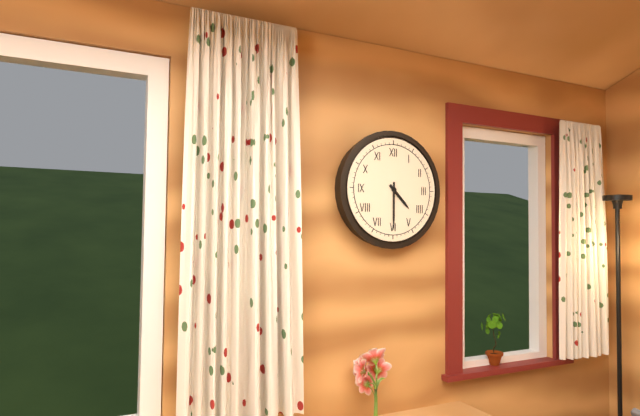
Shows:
4,30
